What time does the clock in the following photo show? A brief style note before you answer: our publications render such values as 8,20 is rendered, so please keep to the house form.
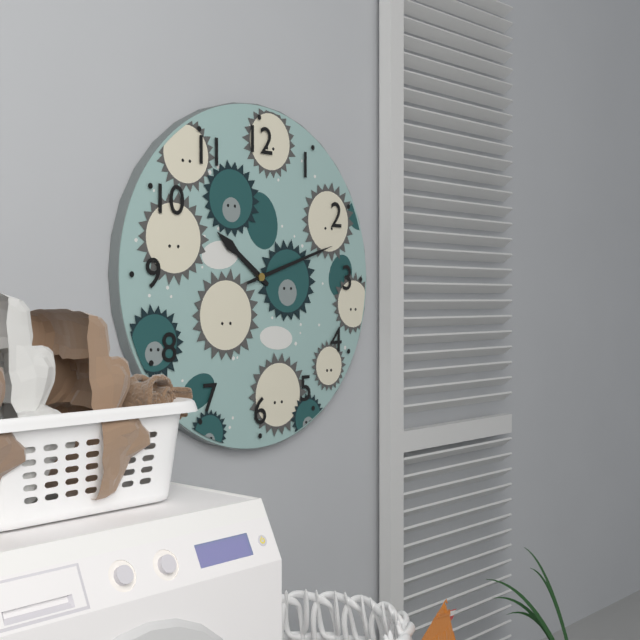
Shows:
10,12
